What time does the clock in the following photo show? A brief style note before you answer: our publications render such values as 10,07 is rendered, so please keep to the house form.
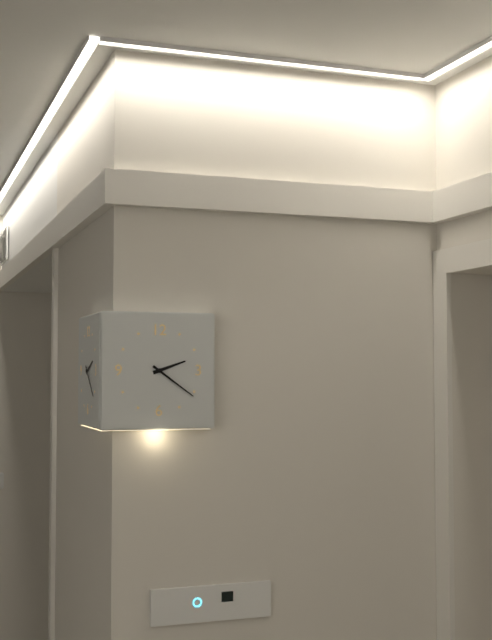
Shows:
2,21
